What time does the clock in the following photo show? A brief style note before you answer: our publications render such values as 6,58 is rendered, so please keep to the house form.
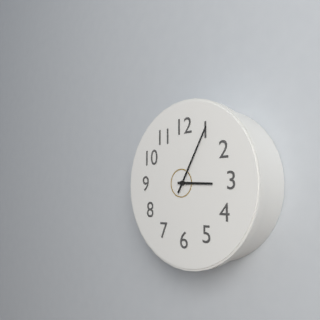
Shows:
3,05
